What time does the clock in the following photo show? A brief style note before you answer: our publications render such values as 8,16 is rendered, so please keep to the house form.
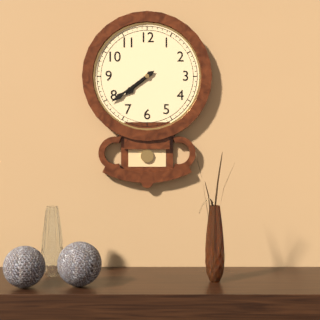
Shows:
7,39
